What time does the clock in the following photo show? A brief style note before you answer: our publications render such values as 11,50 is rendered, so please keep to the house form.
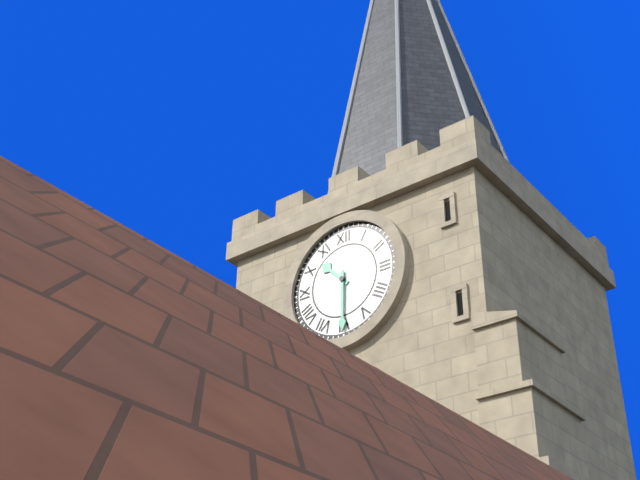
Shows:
10,30
